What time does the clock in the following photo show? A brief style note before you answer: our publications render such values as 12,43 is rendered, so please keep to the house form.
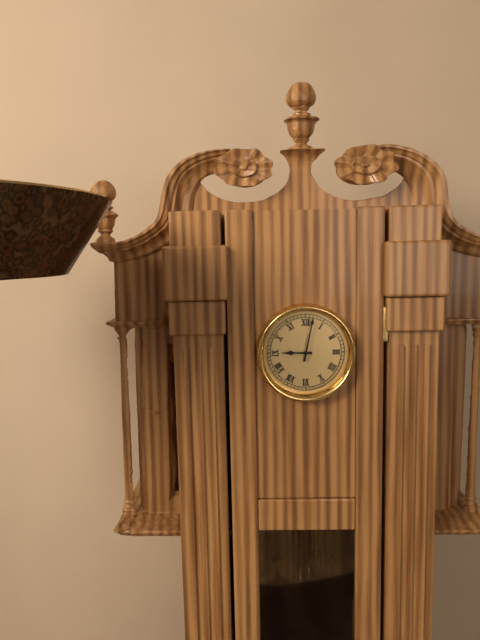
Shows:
9,02
